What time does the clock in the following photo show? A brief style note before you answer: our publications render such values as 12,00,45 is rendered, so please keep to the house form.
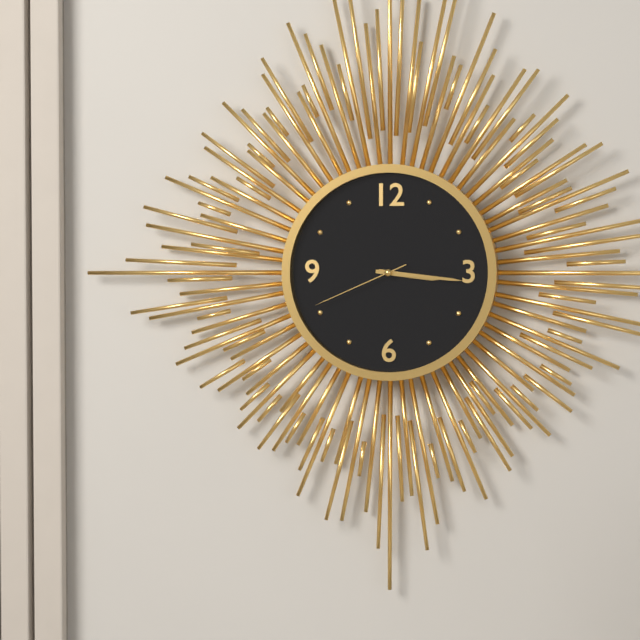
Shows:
3,16,41
